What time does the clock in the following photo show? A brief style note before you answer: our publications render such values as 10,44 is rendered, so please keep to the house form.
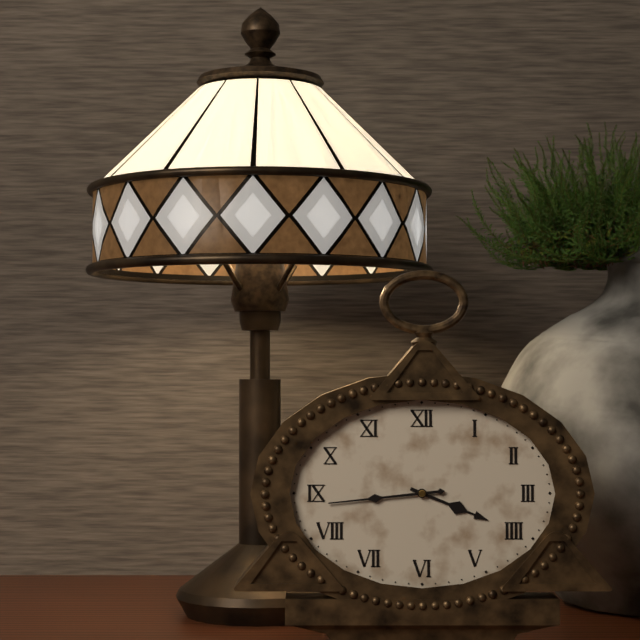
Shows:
3,44
